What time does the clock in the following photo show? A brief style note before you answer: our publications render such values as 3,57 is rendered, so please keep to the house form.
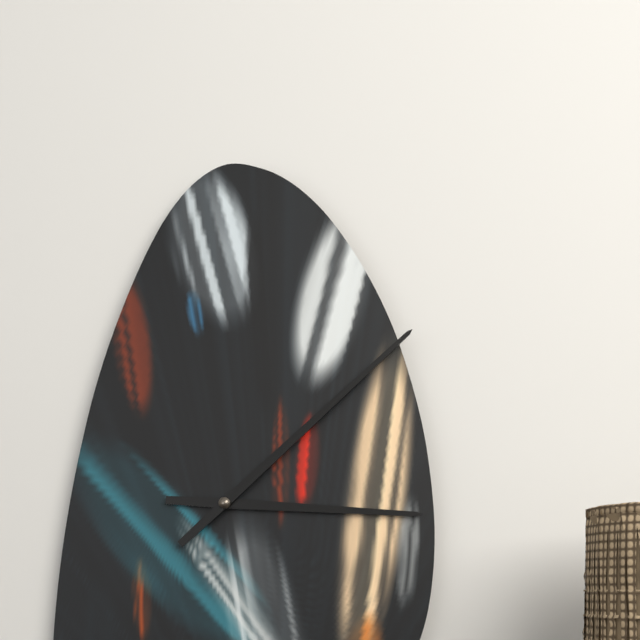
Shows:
3,08
